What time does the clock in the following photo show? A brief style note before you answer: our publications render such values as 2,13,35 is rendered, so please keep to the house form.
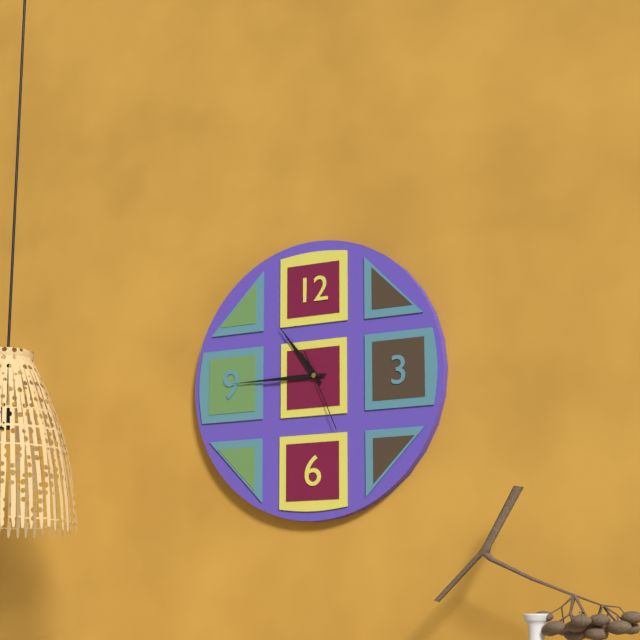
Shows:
10,45,26
